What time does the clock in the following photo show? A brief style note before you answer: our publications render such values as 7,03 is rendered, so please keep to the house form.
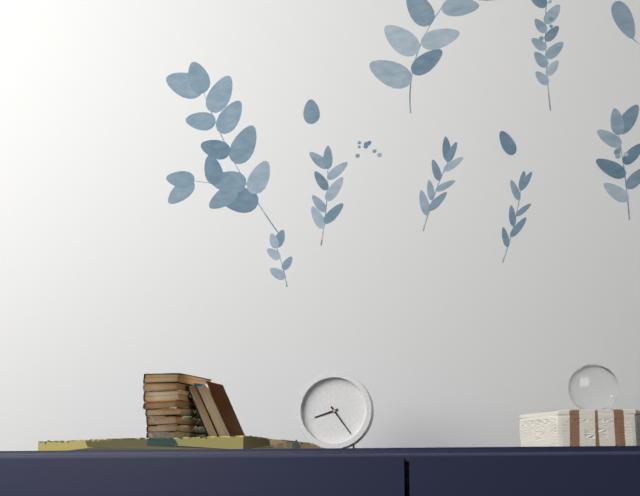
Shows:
8,24
